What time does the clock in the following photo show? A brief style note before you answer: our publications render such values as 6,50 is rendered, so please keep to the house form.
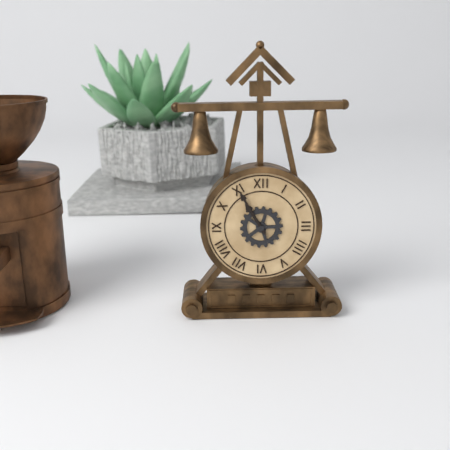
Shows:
10,55
